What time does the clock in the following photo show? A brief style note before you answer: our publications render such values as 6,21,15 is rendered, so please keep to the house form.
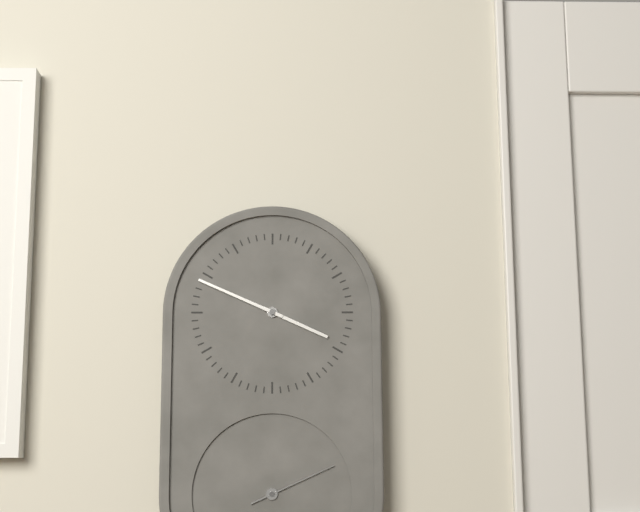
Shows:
3,49,11
